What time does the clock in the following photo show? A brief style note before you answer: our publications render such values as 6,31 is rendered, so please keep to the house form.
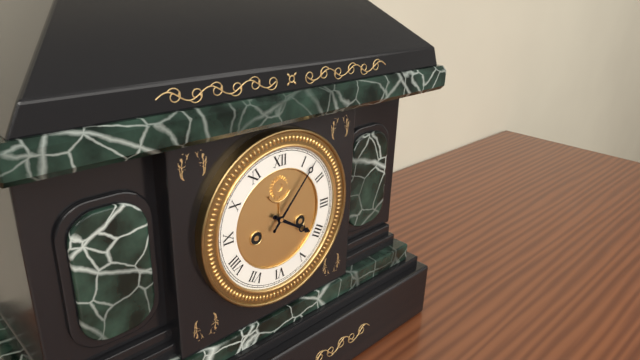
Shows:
4,07
